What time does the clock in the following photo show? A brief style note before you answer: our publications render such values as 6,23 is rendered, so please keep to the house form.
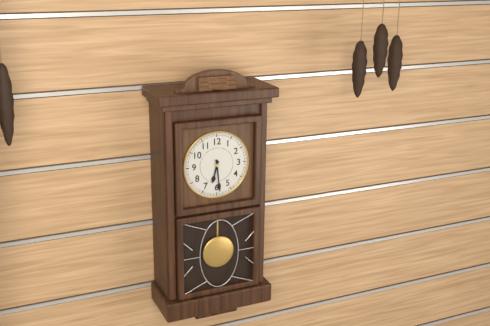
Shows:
6,29
